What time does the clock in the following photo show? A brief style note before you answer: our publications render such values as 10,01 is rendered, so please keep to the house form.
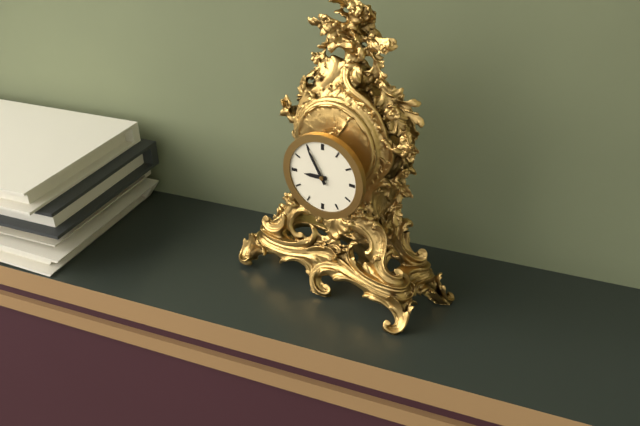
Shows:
8,55
